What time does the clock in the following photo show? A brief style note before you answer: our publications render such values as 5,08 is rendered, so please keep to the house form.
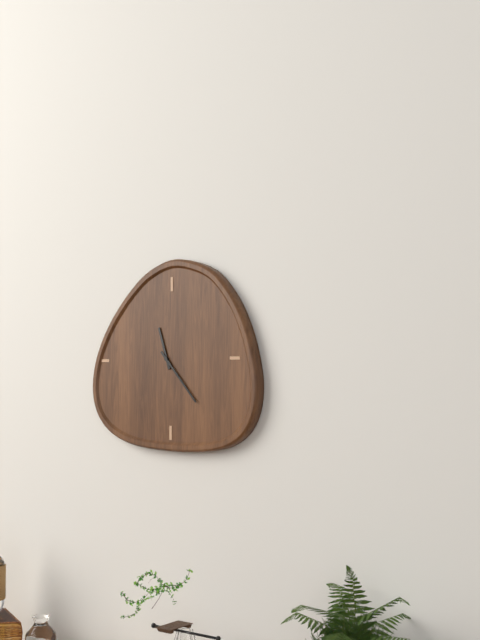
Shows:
11,23
